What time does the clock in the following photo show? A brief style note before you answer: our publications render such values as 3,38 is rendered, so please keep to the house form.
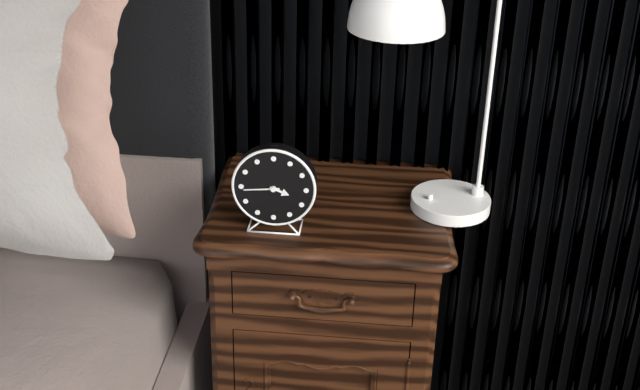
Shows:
3,44
